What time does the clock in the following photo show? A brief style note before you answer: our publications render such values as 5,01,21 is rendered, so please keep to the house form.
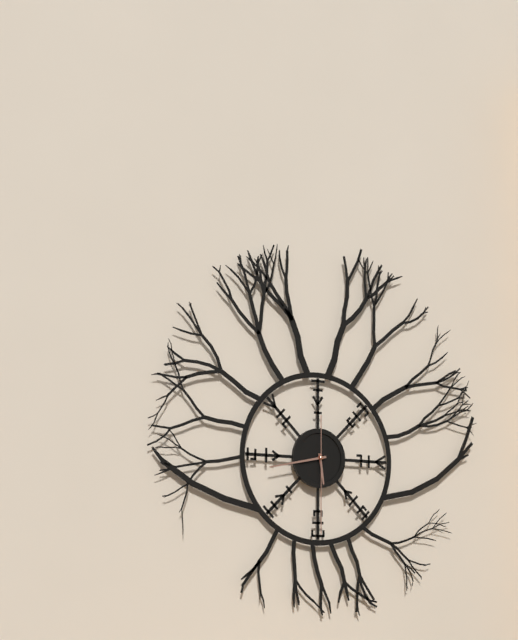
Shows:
5,43,30
